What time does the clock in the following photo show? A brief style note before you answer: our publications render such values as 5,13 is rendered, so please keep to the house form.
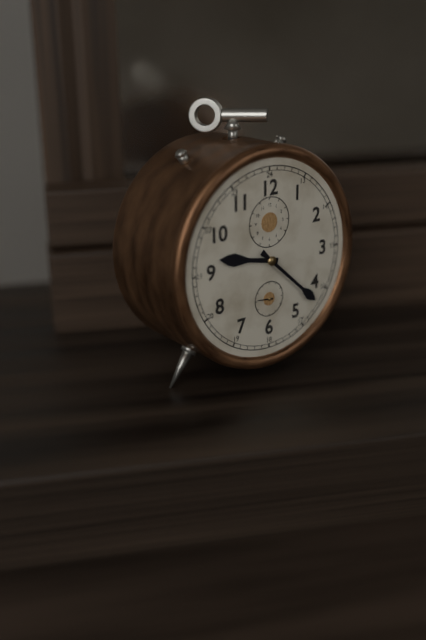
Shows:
9,22
